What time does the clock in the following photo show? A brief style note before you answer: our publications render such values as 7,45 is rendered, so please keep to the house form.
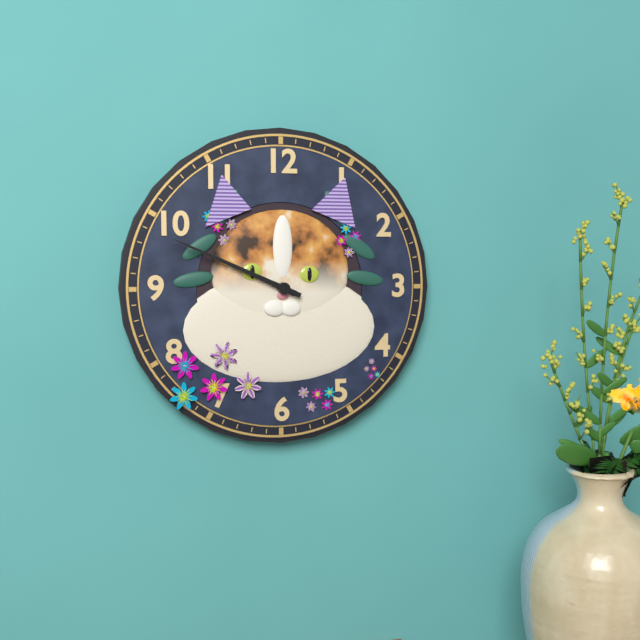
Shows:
9,49
